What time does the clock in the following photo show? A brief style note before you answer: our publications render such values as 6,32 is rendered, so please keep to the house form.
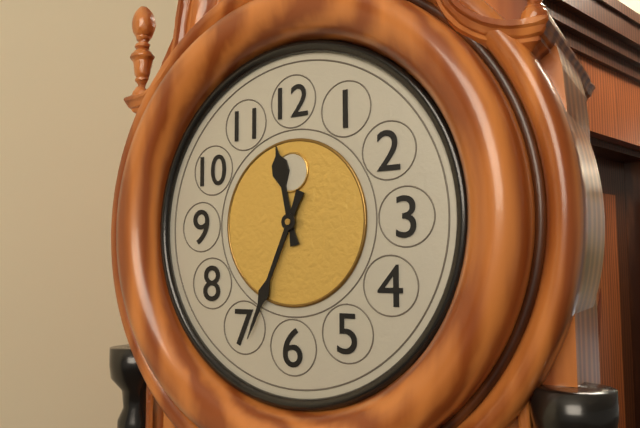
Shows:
11,34
